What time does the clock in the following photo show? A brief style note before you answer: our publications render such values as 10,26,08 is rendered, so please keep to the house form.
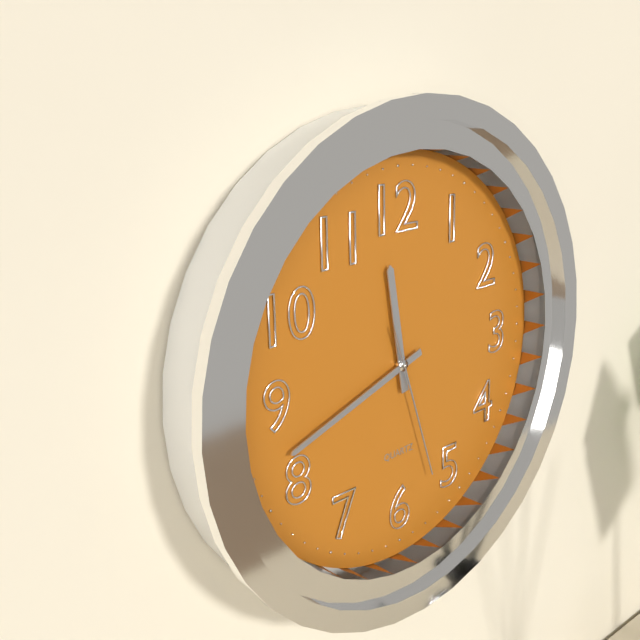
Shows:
11,42,27
